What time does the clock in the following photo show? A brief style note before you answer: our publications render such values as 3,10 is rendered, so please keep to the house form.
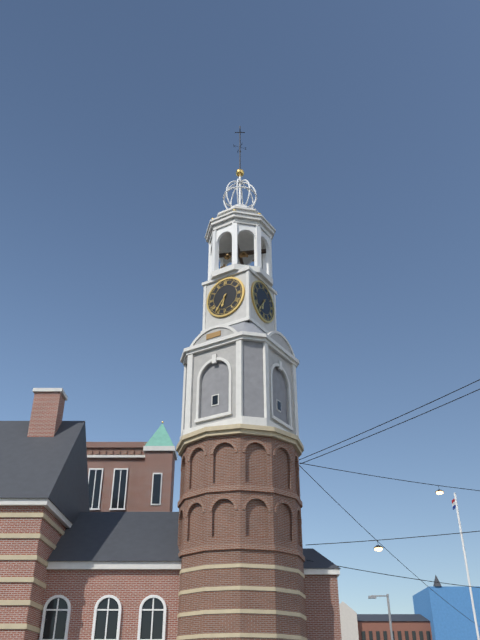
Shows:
6,36
